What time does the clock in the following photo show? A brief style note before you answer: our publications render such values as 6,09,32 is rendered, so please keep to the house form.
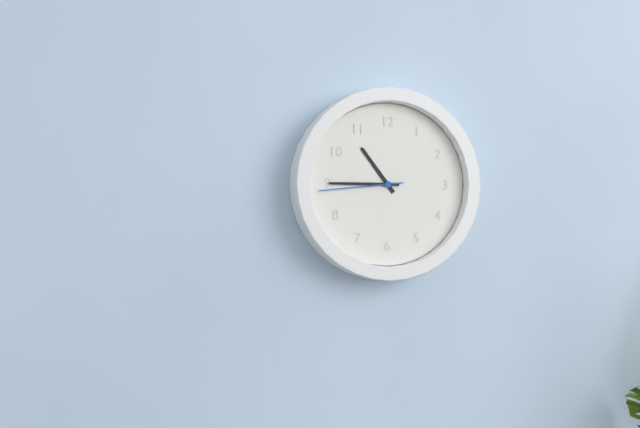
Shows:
10,45,44
